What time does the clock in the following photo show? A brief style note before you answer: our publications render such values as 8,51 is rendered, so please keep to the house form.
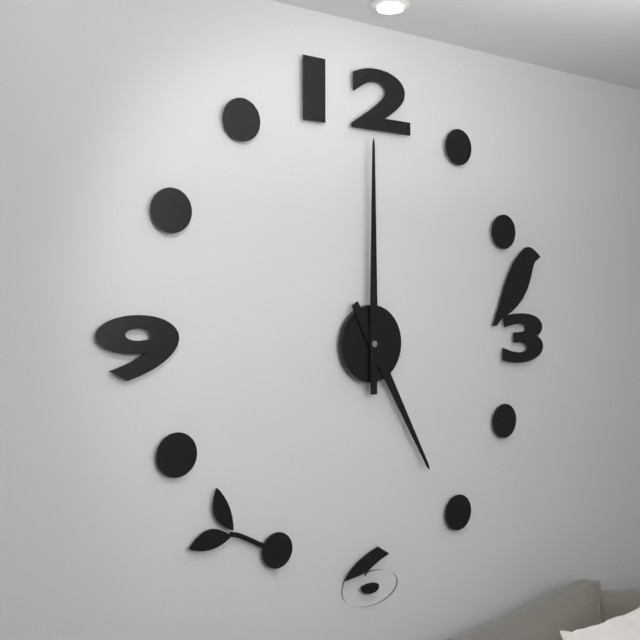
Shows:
5,00
